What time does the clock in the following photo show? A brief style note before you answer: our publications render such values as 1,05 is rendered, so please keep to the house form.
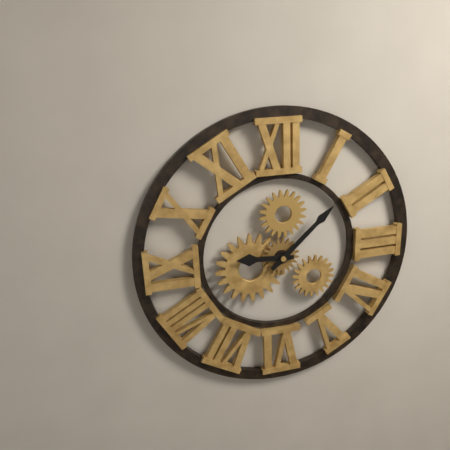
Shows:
9,08
